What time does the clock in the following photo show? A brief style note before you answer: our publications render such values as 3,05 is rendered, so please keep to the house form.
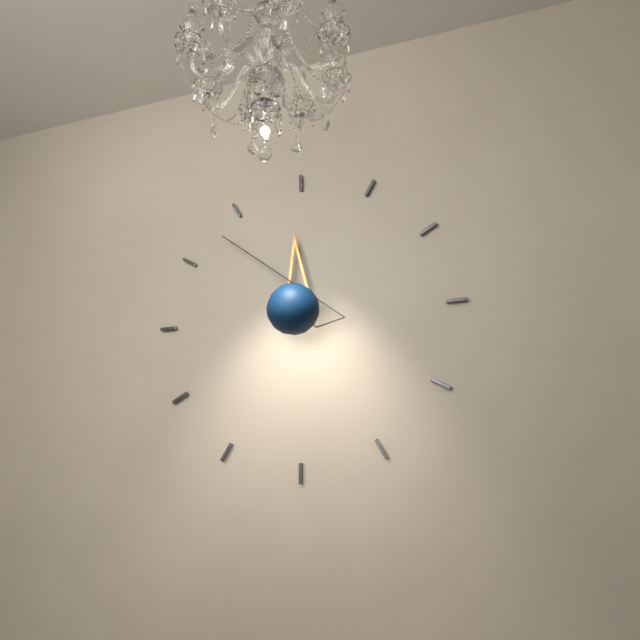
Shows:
11,53
